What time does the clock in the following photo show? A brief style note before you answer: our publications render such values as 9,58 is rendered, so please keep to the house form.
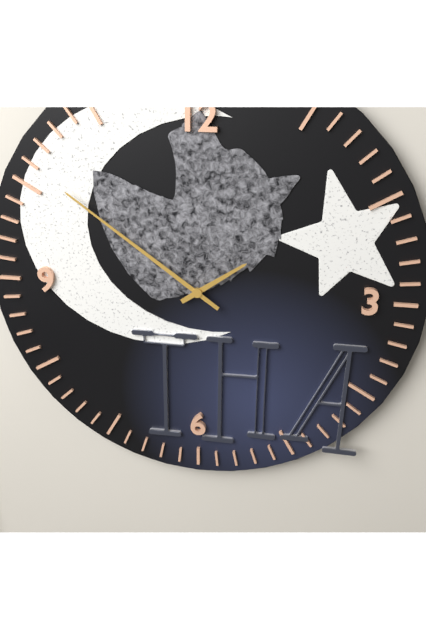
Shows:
1,51
